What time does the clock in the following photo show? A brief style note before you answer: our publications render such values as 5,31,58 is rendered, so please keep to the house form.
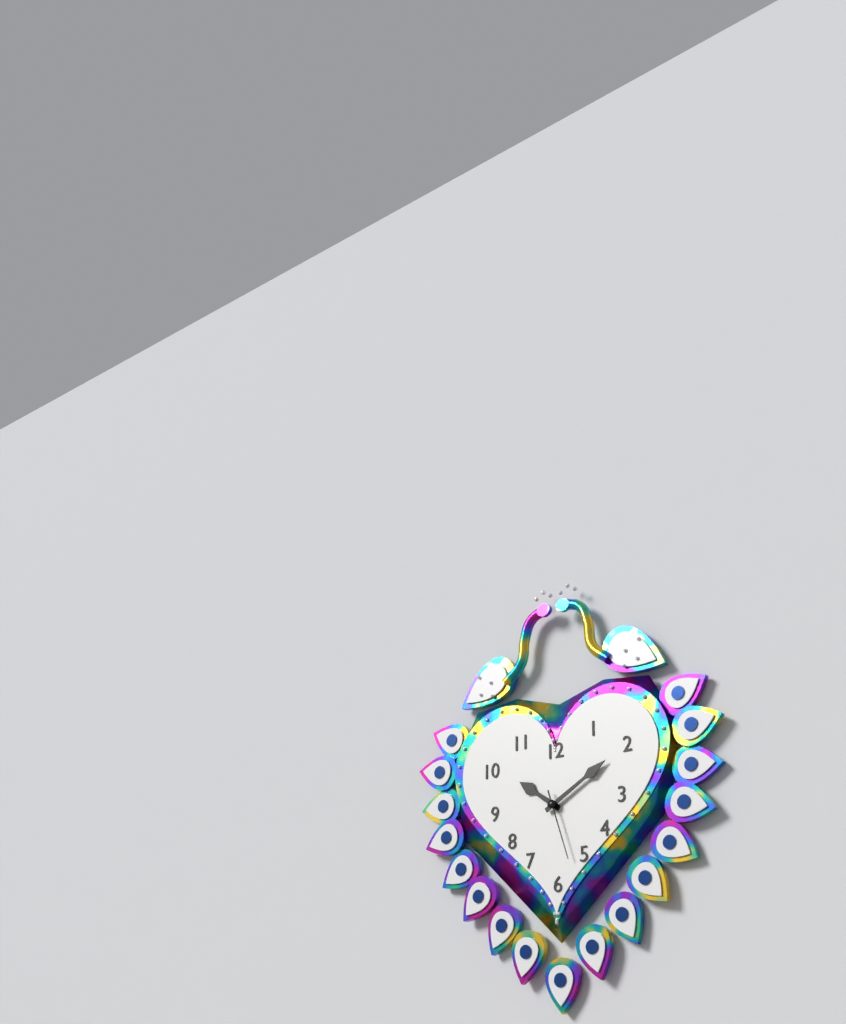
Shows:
10,10,27
